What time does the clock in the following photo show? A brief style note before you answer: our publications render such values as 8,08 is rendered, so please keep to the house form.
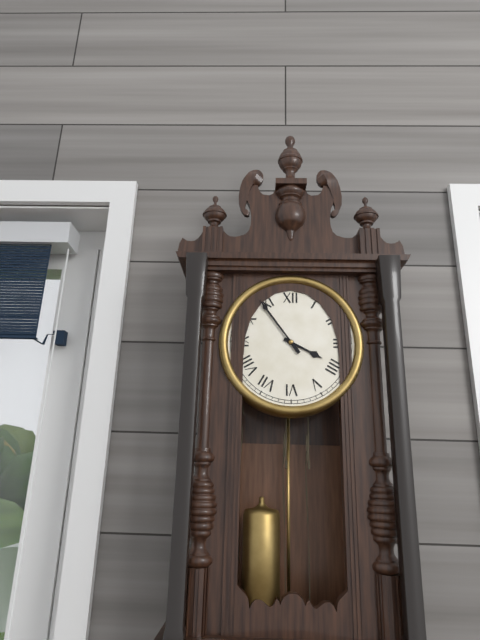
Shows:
3,54
